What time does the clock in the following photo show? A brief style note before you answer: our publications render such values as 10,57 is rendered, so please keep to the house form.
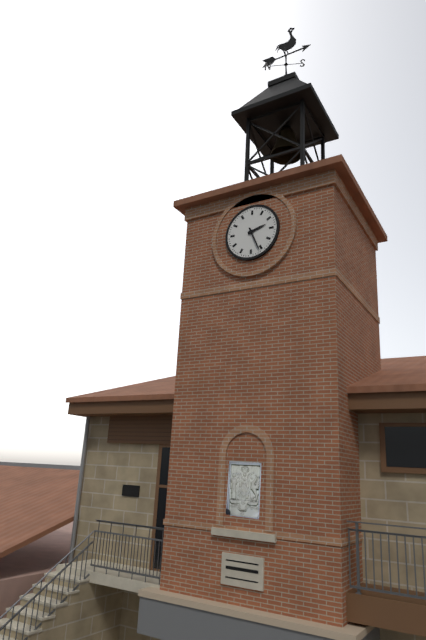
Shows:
2,26
